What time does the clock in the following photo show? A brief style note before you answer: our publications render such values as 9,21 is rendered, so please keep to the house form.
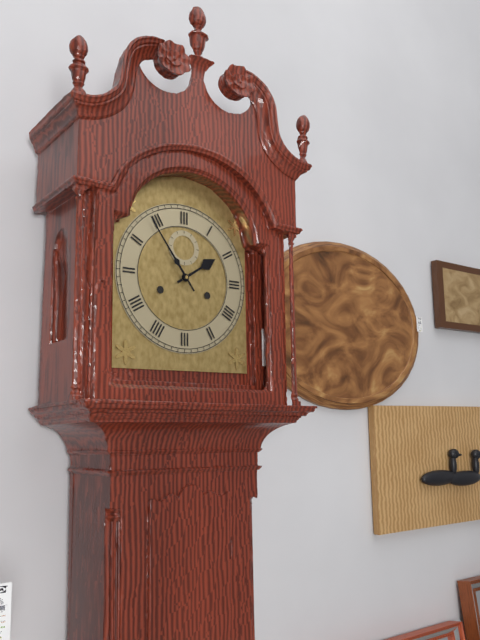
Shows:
1,54
